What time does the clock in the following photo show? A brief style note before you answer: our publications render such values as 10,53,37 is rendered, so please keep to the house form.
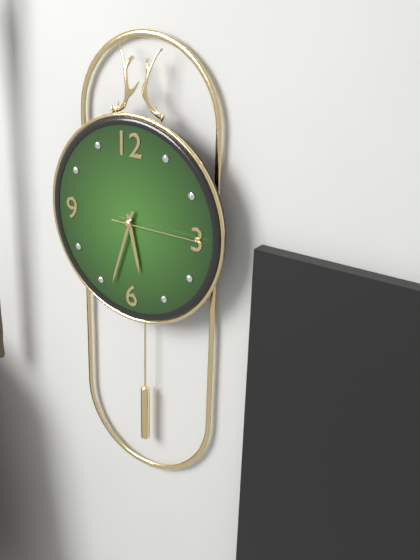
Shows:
5,33,15
